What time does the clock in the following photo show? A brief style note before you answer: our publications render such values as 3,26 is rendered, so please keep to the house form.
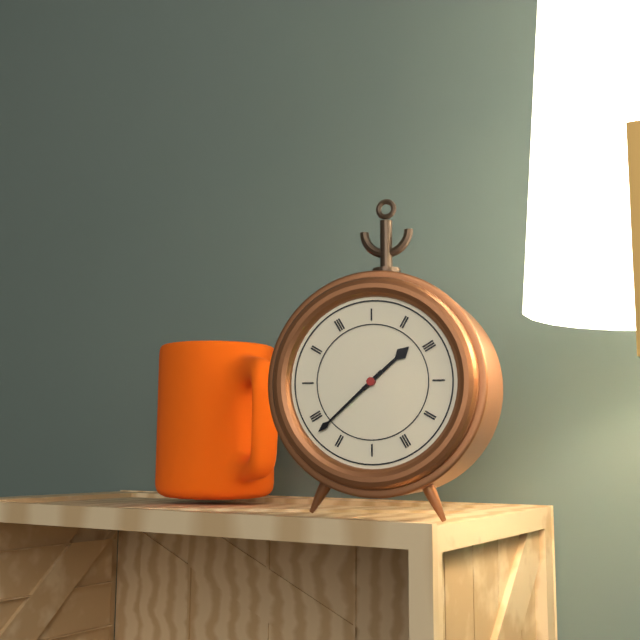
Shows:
1,38
